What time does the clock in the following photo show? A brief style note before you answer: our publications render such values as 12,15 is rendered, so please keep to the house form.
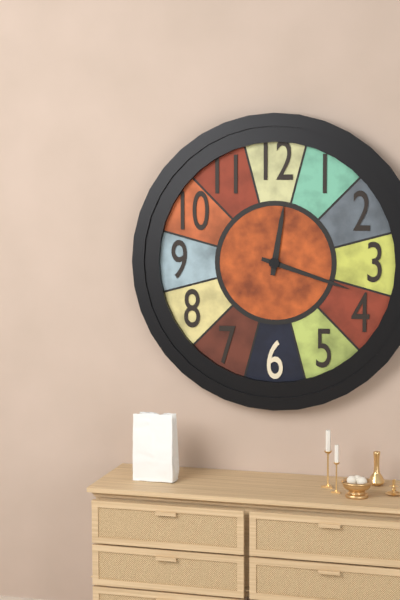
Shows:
12,18
